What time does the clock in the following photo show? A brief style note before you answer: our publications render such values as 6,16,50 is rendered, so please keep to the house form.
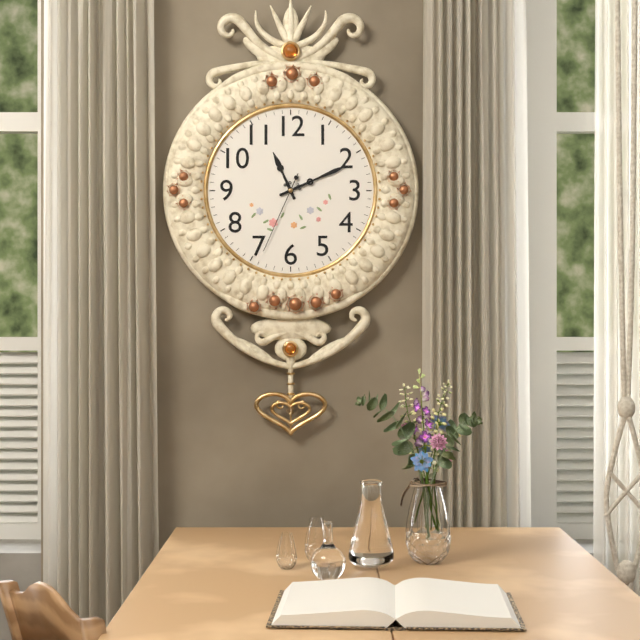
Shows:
11,11,34
